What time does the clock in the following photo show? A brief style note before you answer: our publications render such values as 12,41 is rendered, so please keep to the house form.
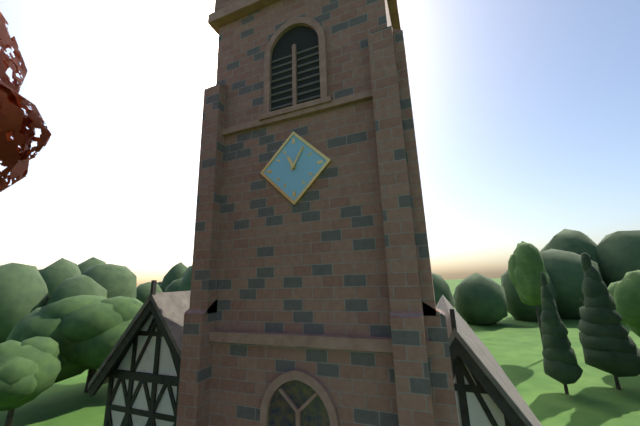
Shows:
11,05
